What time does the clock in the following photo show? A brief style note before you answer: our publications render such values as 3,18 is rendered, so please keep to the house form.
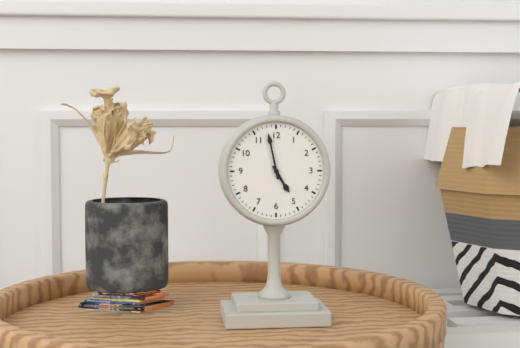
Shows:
4,58
